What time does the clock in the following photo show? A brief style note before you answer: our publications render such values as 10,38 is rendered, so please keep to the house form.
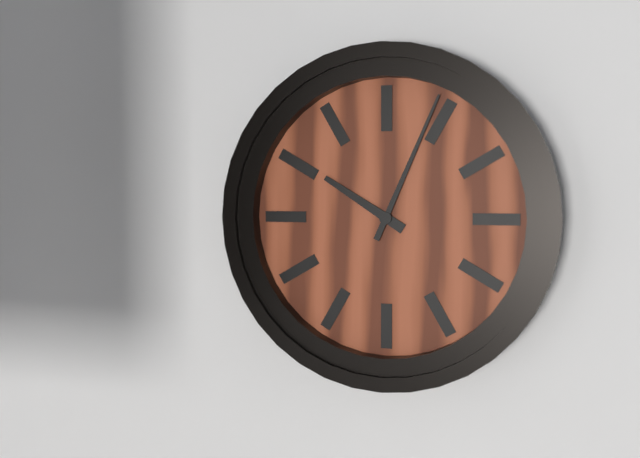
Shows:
10,04
